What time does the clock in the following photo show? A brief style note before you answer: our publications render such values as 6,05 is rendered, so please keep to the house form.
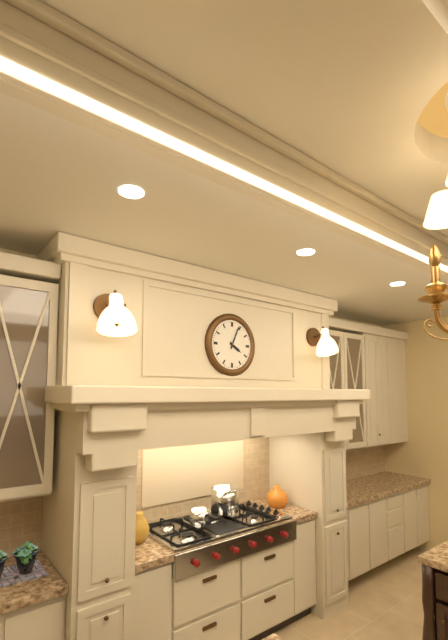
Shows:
4,04
